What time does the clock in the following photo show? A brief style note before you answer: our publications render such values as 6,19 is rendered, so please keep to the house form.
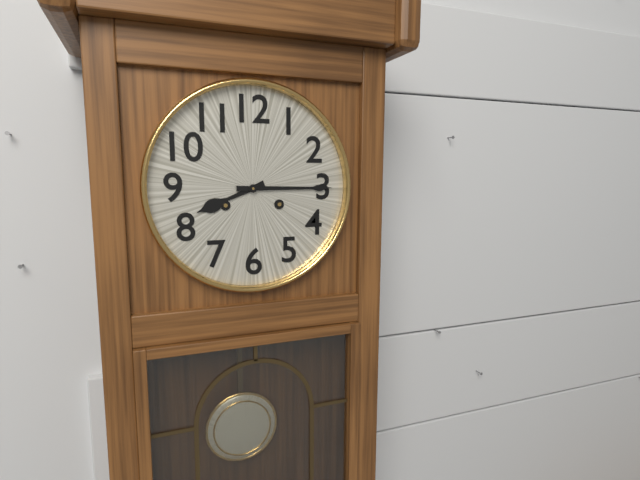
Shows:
8,15
